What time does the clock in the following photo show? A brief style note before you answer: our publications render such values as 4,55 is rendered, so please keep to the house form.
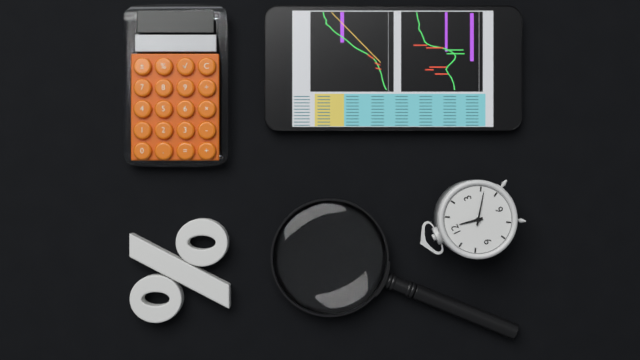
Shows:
12,21
